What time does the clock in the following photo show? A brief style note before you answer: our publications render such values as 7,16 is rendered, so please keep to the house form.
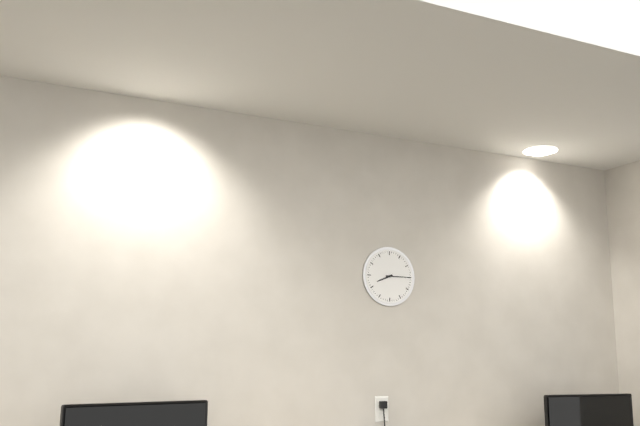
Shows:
8,15
